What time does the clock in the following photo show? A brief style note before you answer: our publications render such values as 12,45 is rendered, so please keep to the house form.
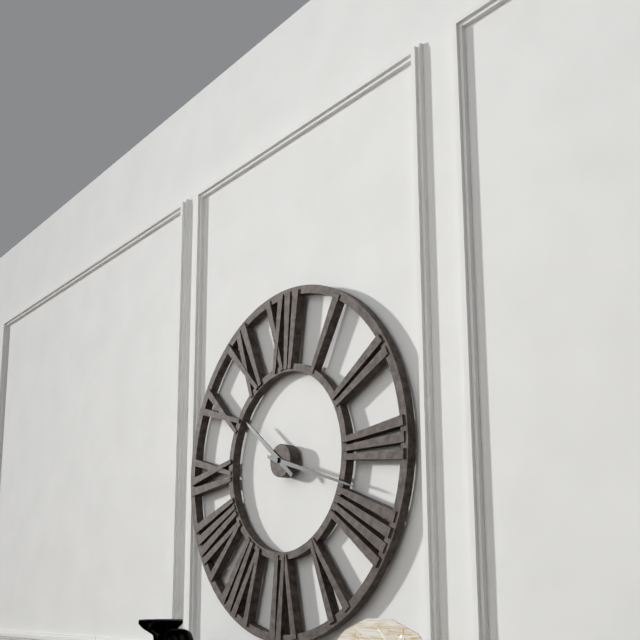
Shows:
10,18
